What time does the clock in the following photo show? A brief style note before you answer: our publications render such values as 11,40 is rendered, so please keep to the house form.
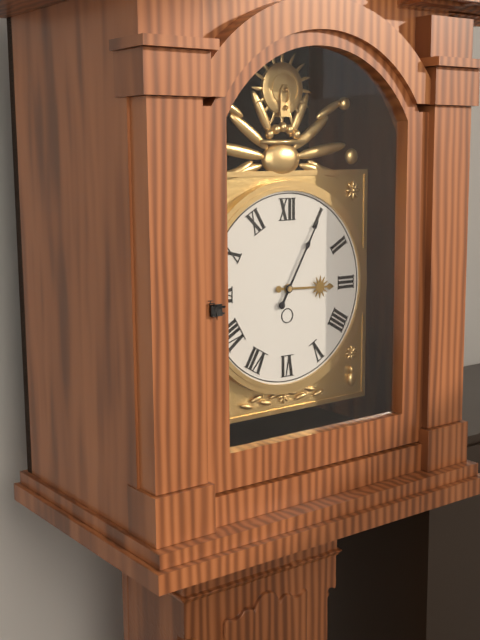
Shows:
3,05
